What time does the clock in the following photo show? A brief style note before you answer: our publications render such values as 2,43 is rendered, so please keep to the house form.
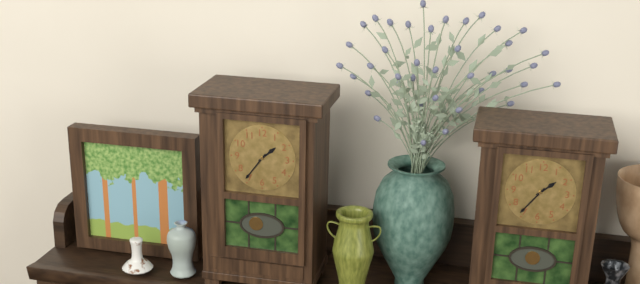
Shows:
1,36
